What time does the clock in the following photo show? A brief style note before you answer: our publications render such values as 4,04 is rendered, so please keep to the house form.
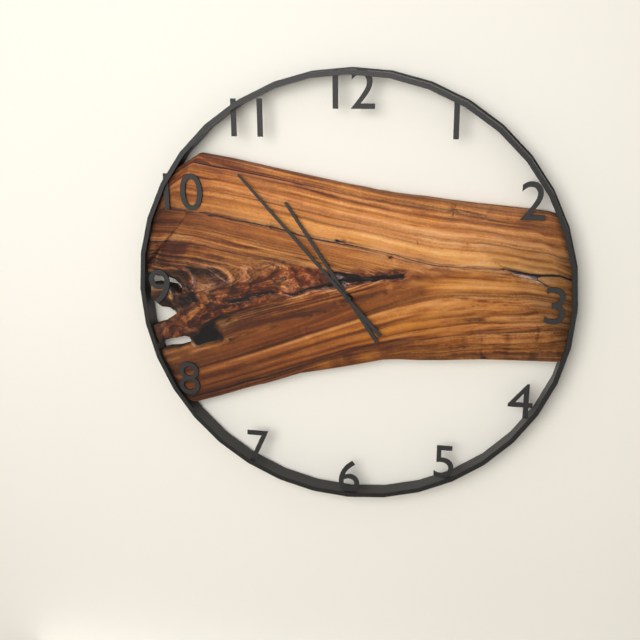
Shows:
10,53
